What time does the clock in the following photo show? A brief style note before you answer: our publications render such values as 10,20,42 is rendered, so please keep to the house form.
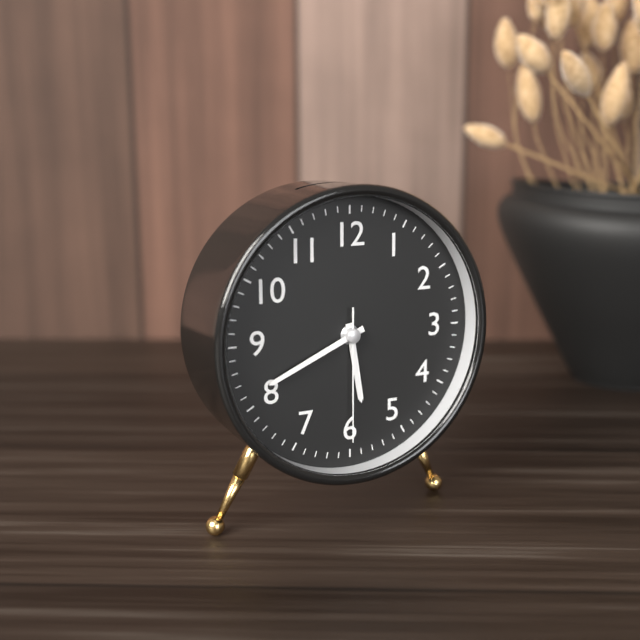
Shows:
5,41,30
